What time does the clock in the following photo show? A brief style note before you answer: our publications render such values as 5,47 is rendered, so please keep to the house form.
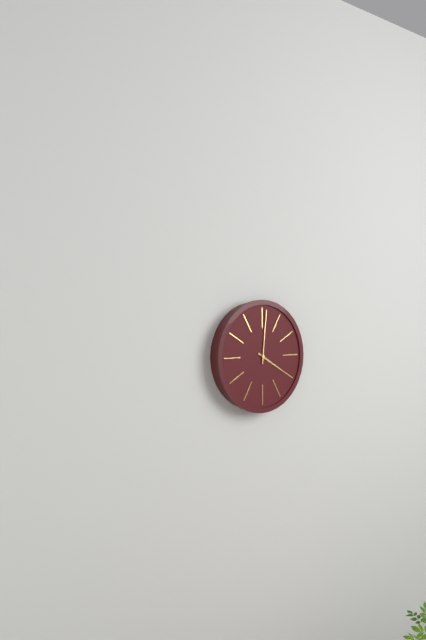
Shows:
4,01
